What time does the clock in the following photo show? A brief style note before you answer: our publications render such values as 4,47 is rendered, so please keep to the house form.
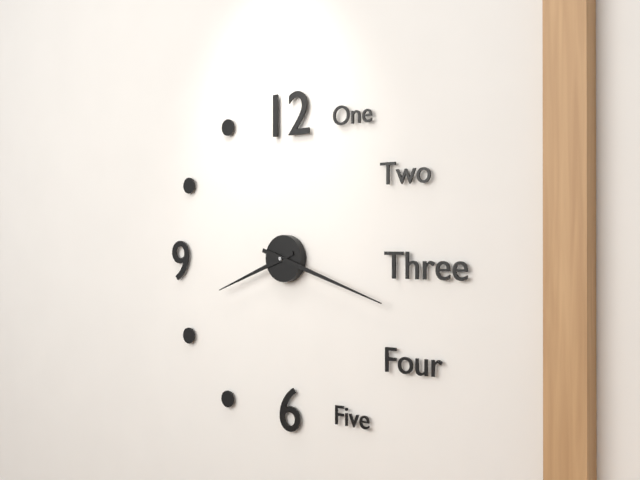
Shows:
8,18
